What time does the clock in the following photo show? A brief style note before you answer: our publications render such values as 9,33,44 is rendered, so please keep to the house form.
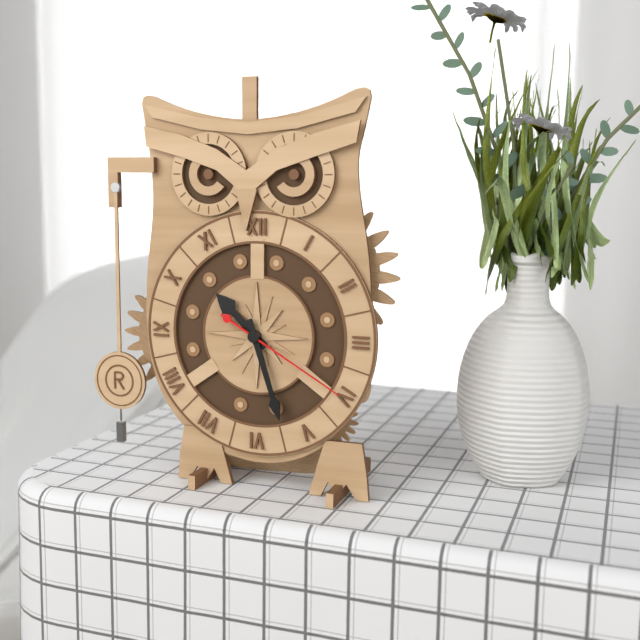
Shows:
10,27,20
